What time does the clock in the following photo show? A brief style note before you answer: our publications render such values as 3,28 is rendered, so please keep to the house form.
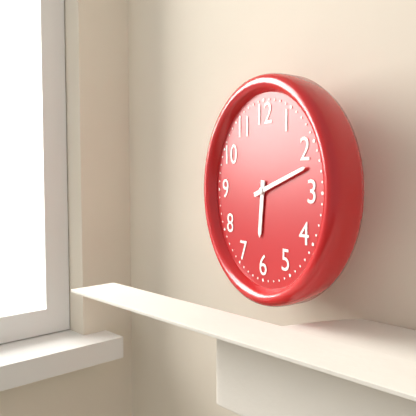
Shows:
6,12
